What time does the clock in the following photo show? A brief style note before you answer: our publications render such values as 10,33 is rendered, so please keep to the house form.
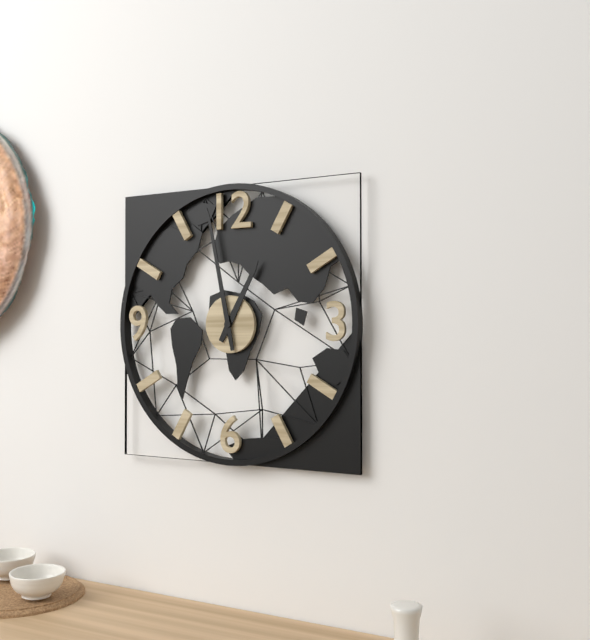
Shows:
12,58
